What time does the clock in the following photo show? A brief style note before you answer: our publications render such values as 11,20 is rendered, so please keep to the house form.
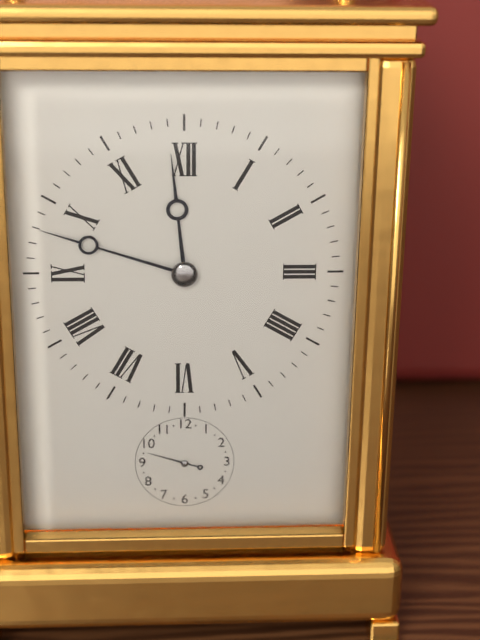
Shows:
11,48
